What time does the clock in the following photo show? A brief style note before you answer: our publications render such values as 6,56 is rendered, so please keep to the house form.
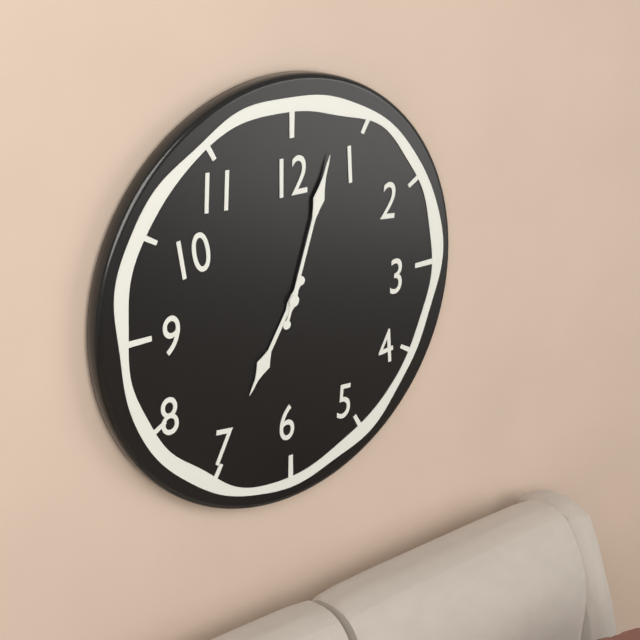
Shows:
7,03
